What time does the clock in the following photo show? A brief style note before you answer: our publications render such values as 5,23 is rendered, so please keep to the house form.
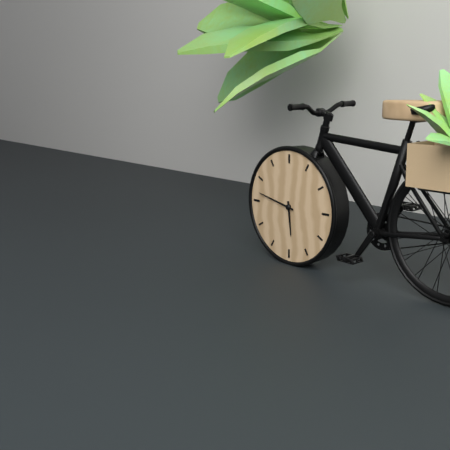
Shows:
5,47
